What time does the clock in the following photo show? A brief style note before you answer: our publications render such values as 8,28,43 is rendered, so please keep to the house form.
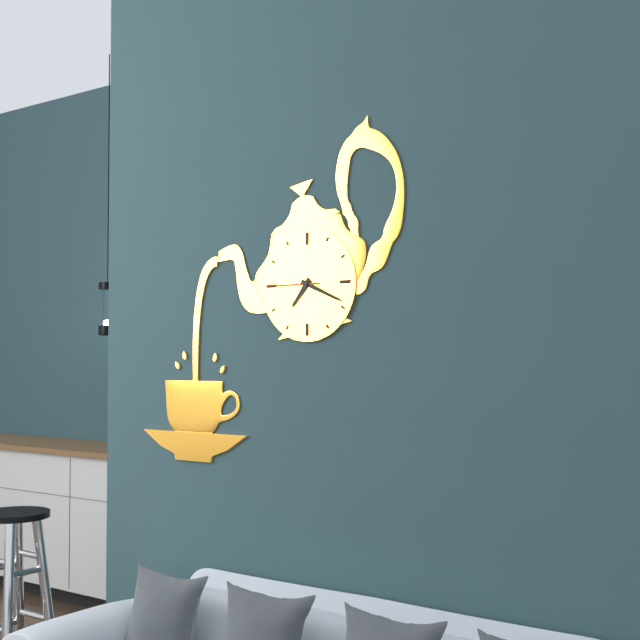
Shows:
7,19,45
